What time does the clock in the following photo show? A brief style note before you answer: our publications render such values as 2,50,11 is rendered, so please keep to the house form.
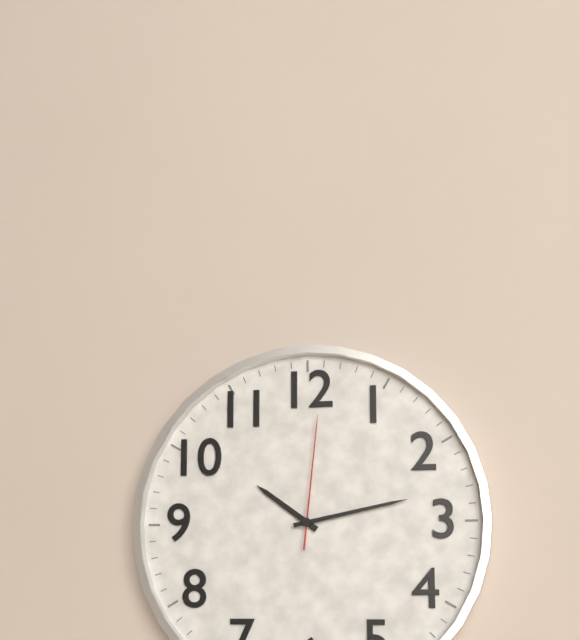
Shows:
10,13,01
